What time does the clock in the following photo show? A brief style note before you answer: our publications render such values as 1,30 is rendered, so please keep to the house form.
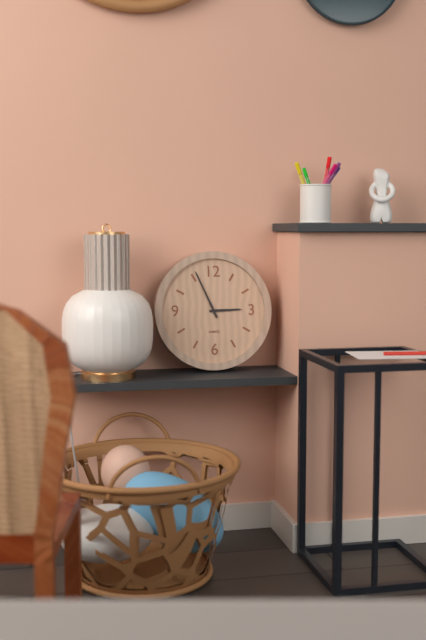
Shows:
2,56
